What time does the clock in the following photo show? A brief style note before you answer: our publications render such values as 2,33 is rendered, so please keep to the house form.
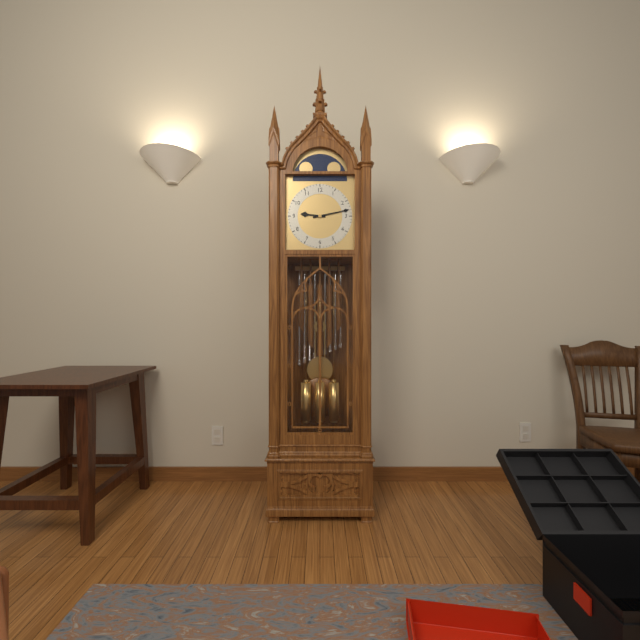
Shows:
9,13
